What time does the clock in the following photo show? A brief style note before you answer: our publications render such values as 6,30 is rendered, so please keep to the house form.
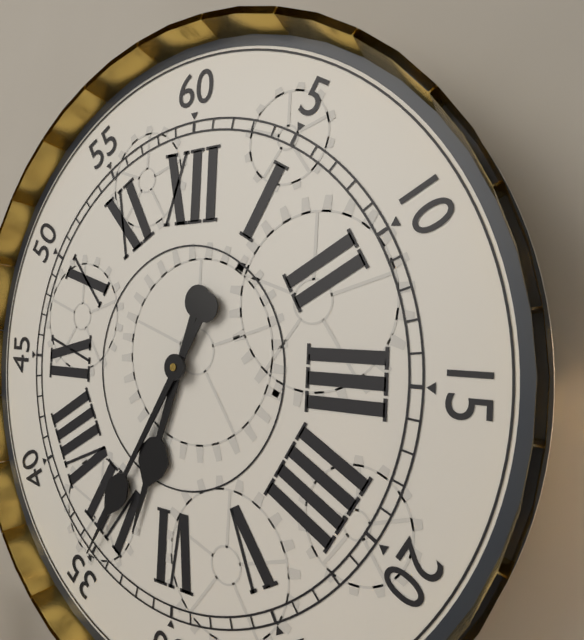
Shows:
6,35
